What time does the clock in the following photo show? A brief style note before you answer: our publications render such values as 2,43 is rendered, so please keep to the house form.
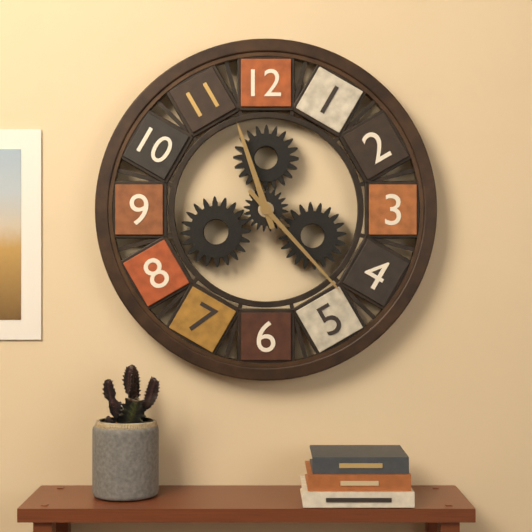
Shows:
11,23
